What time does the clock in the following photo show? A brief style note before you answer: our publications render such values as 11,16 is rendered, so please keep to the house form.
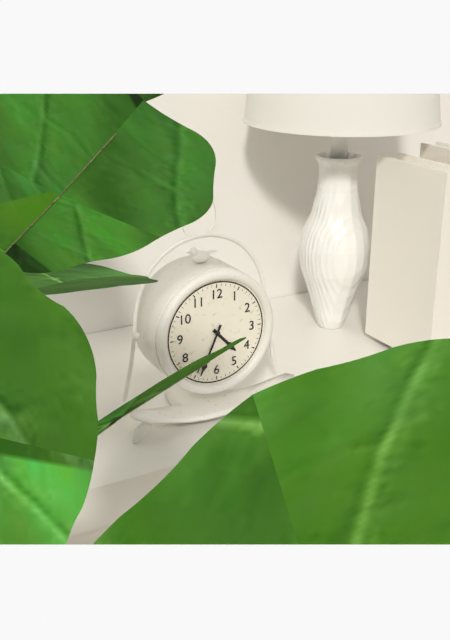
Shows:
4,34
